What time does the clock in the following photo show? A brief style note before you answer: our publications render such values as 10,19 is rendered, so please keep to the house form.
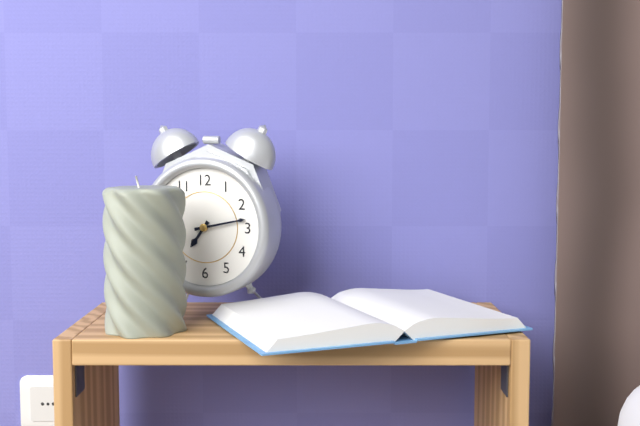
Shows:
7,13
